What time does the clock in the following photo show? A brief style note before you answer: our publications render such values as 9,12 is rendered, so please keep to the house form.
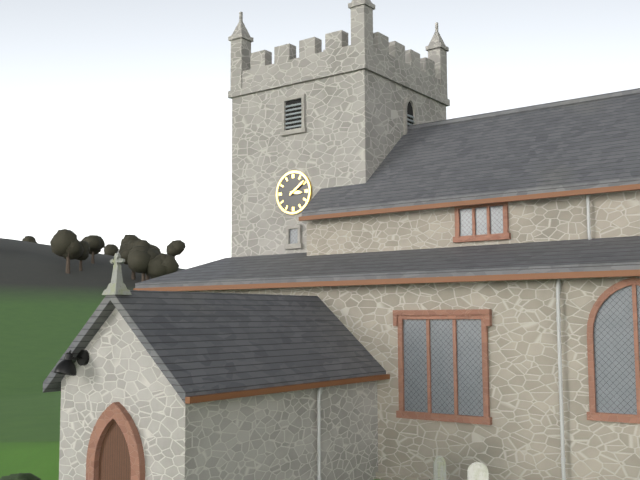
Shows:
3,09
